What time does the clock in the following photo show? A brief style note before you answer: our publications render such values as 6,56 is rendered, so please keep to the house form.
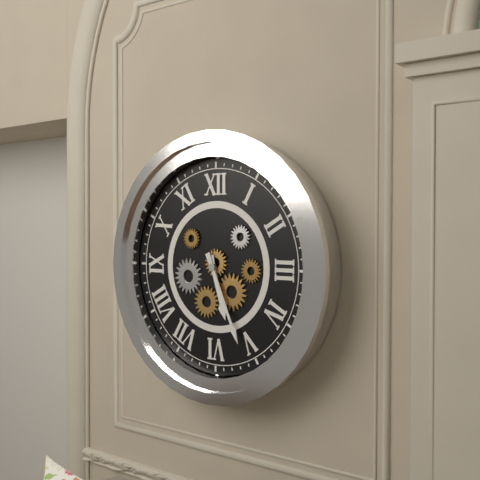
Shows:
5,26
